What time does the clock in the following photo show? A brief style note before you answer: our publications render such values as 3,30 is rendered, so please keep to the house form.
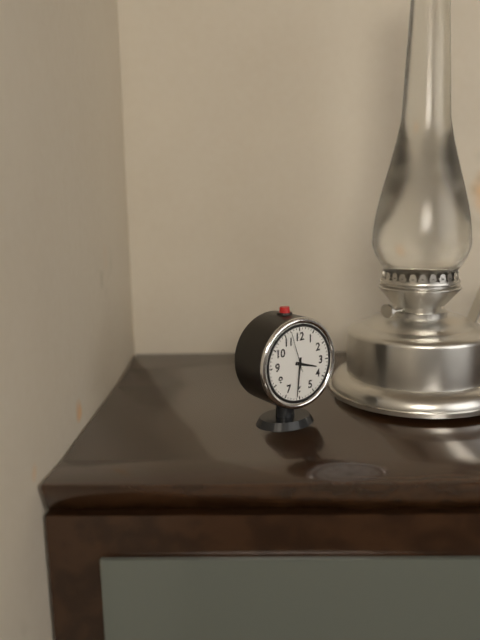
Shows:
3,31
